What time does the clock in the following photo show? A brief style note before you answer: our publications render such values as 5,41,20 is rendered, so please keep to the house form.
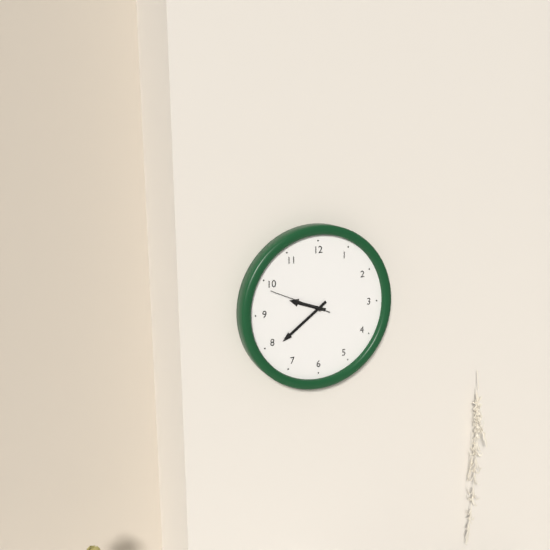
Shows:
9,39,49
